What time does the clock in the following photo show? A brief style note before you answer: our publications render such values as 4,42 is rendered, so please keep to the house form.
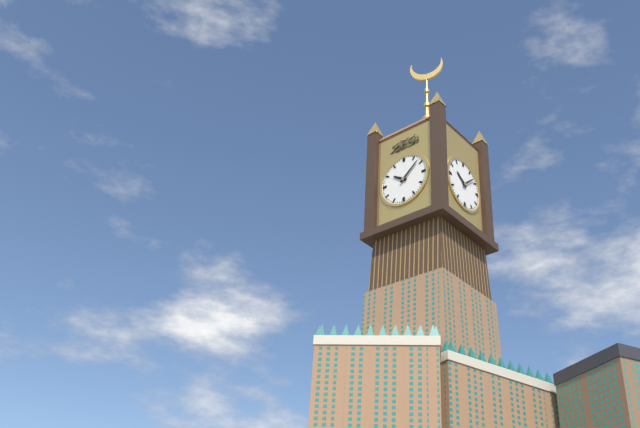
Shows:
10,08
